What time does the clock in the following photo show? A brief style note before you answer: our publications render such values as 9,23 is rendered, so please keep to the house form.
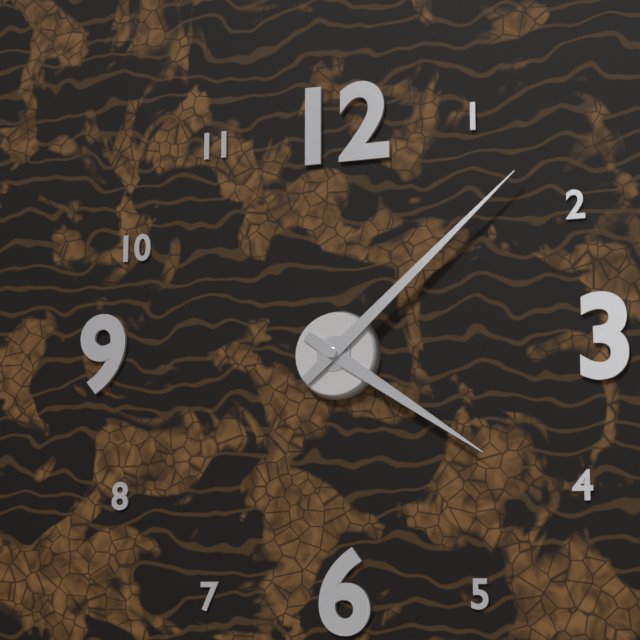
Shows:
4,08
